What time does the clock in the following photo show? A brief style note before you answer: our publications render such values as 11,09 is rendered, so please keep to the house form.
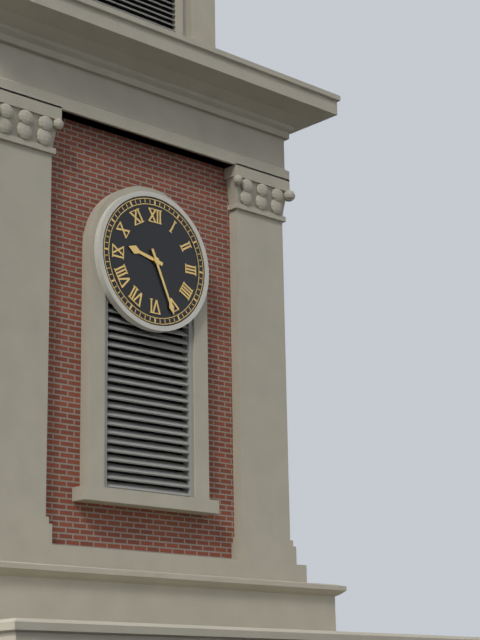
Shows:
9,26
